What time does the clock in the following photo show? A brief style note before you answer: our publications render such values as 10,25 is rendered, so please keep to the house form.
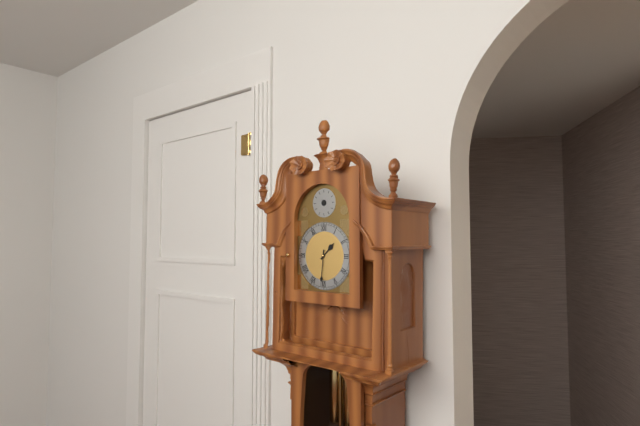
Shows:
1,31
